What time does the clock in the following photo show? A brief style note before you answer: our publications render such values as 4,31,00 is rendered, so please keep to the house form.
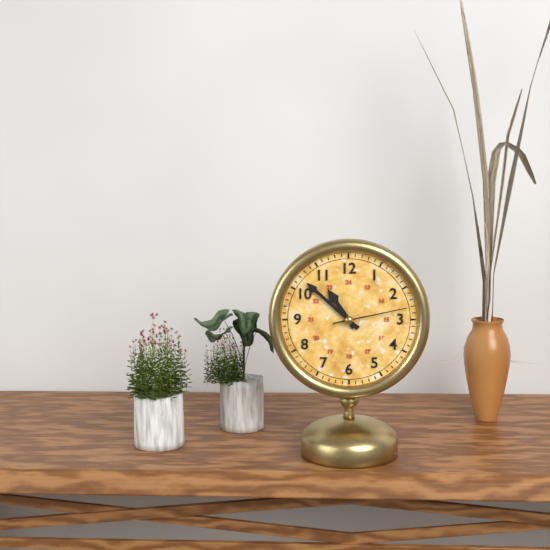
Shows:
10,52,13
